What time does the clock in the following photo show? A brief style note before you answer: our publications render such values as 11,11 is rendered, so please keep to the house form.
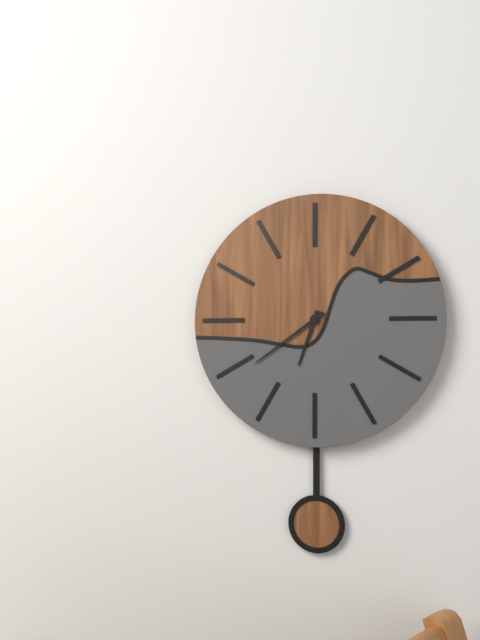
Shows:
6,39
